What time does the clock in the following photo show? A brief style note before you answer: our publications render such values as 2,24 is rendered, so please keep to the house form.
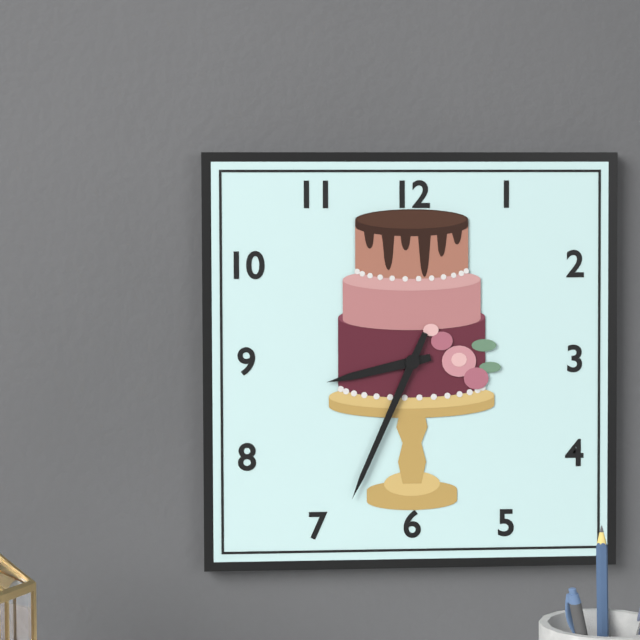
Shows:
8,34
